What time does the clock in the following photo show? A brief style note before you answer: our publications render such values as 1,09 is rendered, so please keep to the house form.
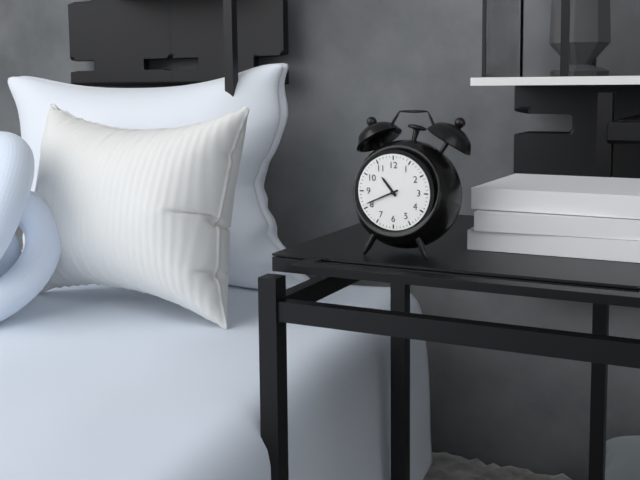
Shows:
10,41
